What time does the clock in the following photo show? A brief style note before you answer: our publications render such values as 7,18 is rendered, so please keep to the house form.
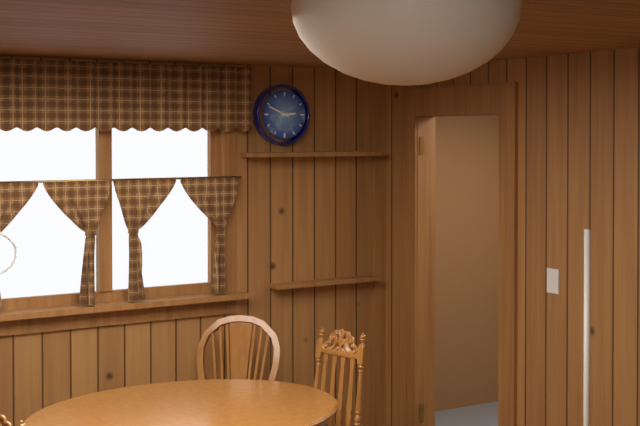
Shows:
2,49
